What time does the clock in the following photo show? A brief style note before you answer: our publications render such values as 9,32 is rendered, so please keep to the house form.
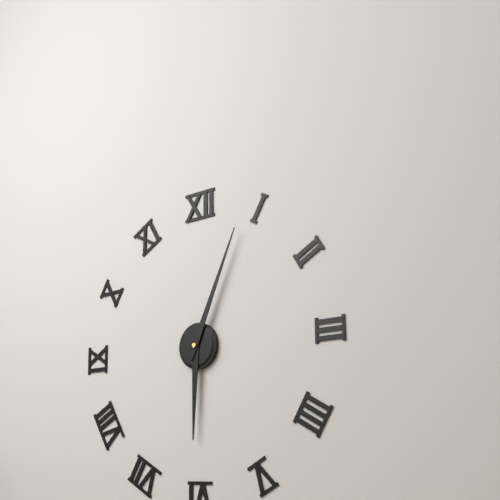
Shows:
6,04
